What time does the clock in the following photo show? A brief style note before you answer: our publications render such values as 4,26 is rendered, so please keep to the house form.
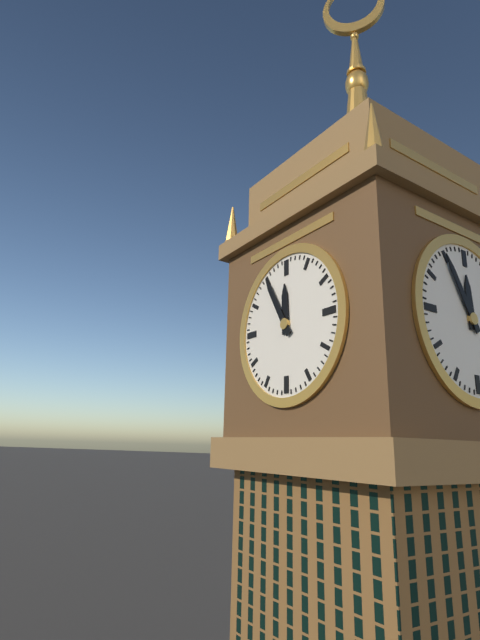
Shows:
11,55
